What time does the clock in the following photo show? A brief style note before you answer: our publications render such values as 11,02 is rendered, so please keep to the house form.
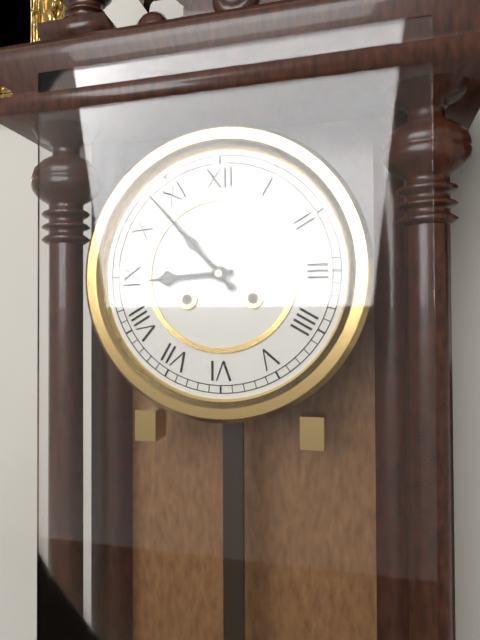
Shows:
8,53
